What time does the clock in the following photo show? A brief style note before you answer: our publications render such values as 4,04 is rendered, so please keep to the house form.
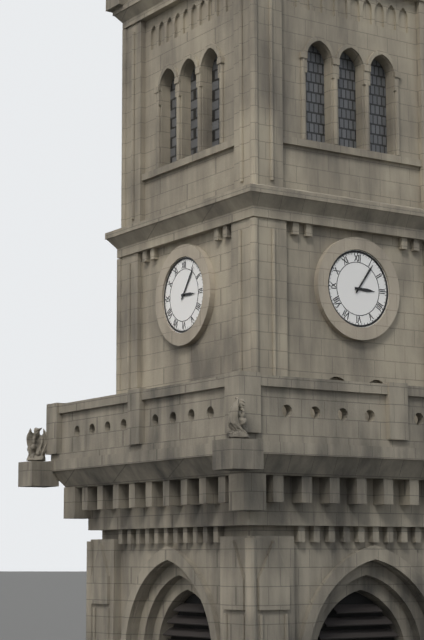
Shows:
3,06
